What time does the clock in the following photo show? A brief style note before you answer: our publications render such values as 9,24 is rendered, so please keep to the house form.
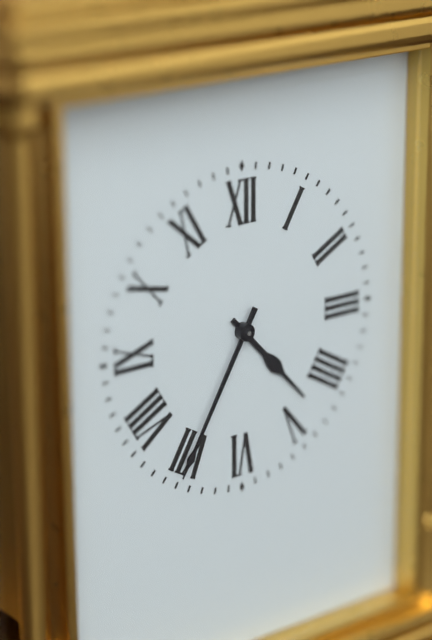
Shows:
4,35
